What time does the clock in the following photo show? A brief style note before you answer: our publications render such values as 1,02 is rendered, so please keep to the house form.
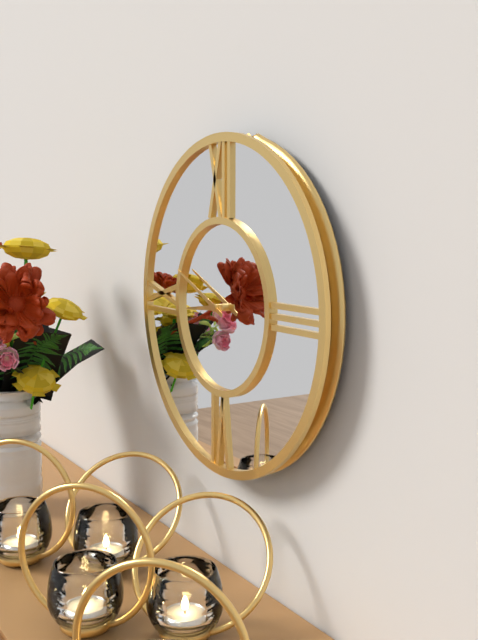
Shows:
8,49
